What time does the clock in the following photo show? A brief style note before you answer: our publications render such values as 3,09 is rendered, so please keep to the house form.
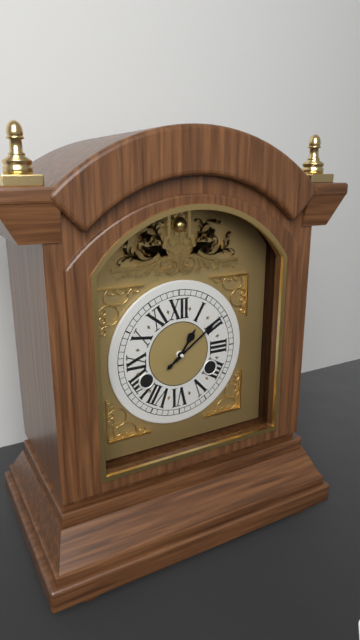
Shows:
1,09
